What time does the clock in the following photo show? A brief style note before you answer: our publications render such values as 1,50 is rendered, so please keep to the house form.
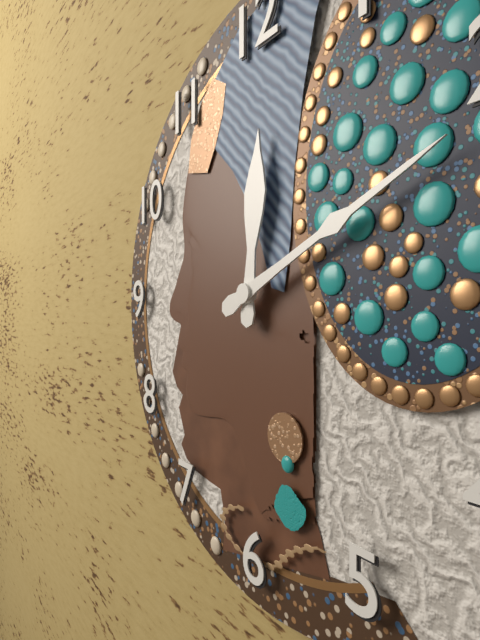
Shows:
12,11
